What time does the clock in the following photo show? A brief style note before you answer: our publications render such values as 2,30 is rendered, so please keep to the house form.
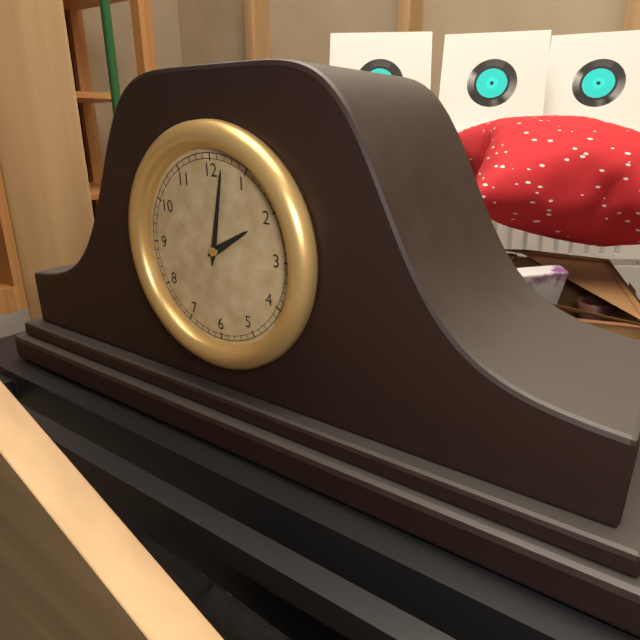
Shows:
2,02
